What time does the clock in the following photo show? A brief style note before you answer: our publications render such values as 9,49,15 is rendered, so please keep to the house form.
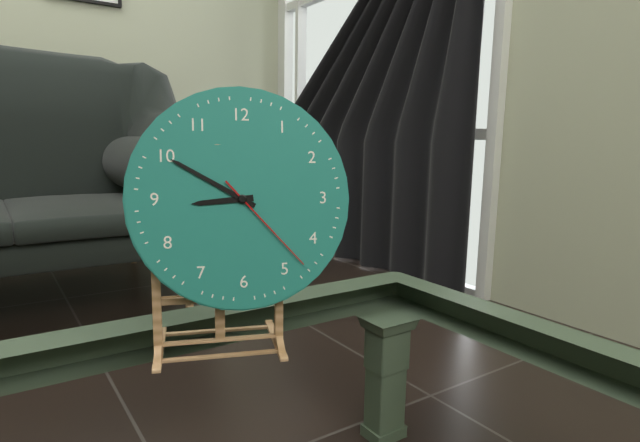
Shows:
8,50,23
